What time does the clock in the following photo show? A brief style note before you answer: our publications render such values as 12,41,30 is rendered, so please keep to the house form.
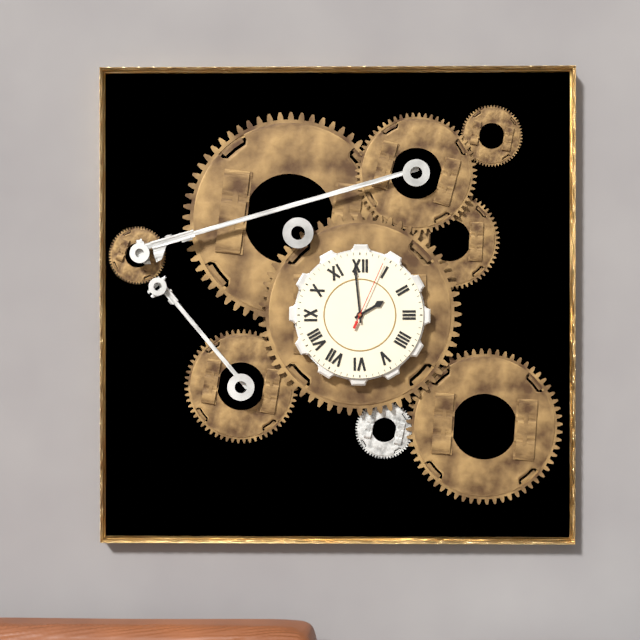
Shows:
1,59,04
